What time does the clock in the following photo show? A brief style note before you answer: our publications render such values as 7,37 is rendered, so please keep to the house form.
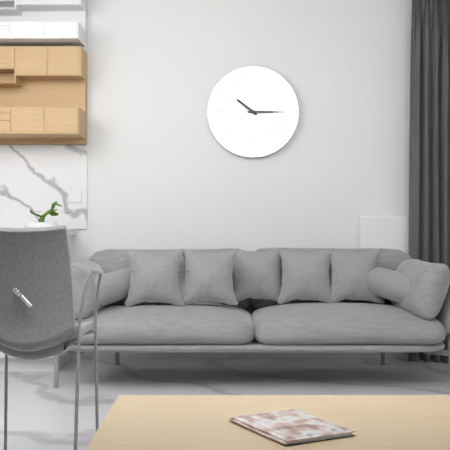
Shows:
10,15
